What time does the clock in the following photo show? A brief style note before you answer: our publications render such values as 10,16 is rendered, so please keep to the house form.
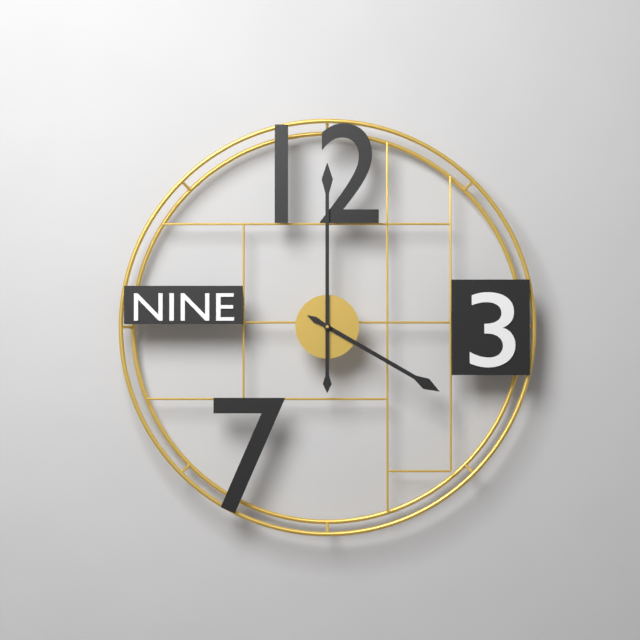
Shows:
4,00
